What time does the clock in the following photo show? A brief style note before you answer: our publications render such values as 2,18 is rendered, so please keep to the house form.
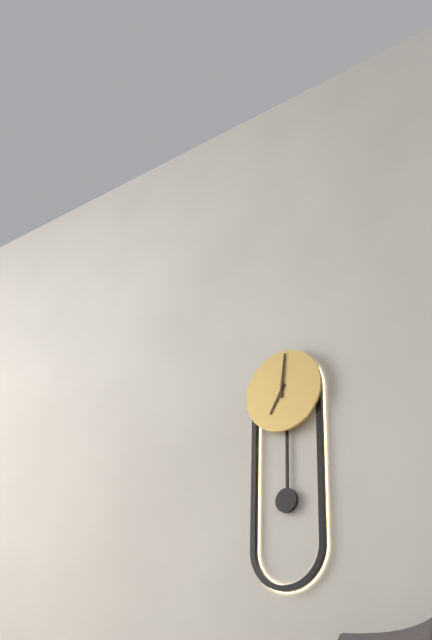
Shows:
7,01
